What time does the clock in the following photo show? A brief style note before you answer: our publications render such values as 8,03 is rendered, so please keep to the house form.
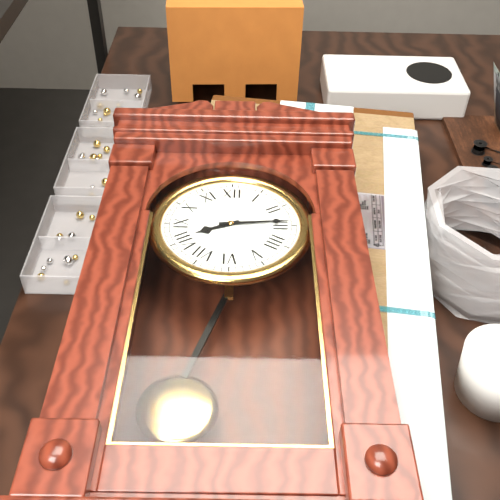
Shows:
8,14
